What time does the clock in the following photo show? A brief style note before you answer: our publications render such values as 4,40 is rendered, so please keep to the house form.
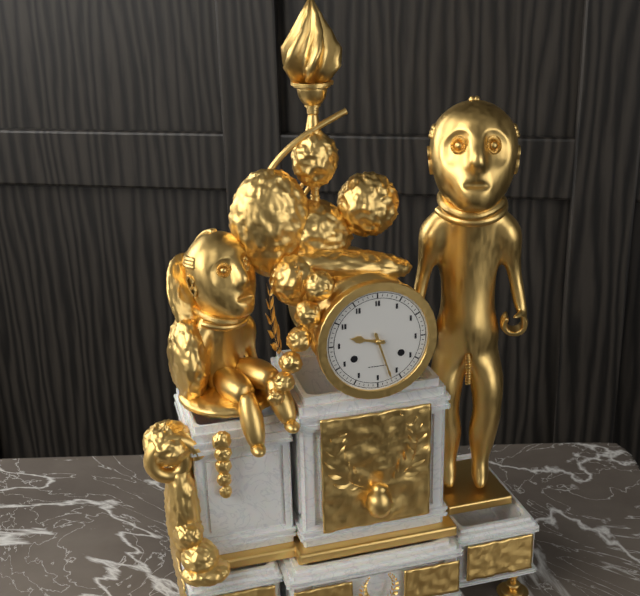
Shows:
9,27
